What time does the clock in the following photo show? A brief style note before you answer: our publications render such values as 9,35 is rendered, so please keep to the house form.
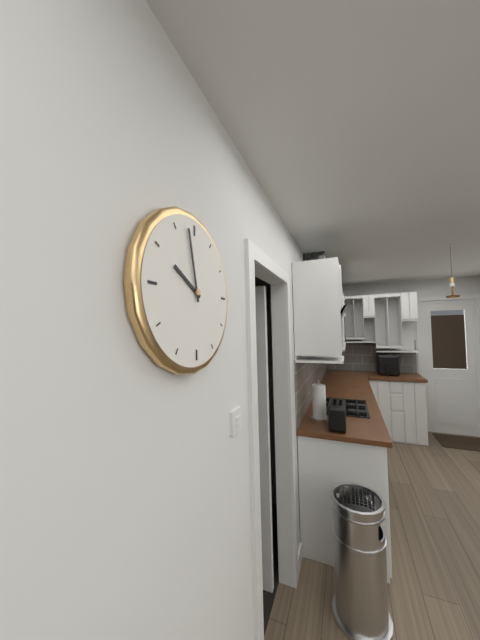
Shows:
9,58
